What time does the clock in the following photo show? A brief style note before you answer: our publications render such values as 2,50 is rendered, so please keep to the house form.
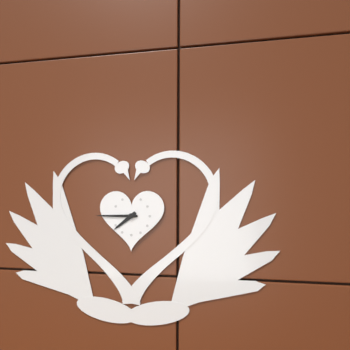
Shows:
7,45
